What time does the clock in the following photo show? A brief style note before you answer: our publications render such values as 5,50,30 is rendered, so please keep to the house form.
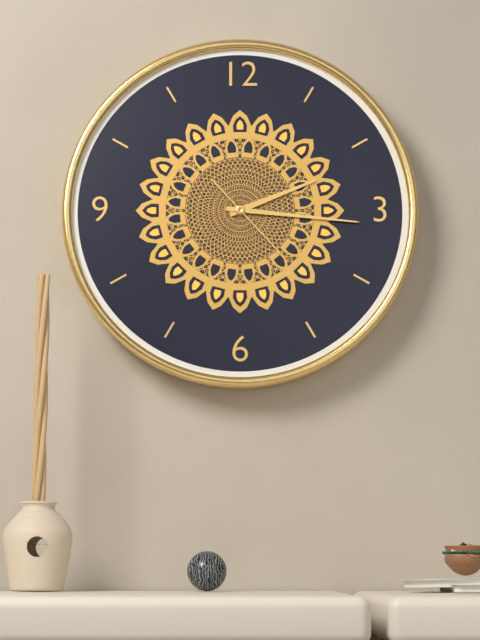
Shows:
2,16,23
